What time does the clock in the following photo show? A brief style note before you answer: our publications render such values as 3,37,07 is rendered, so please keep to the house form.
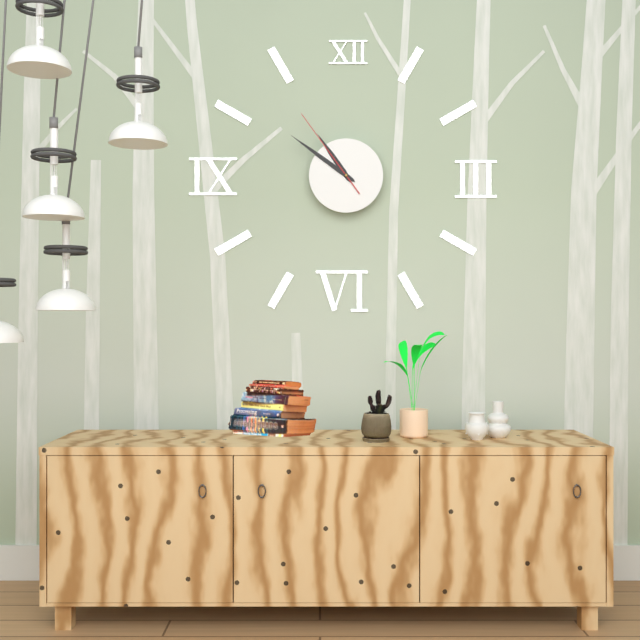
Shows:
10,51,54
